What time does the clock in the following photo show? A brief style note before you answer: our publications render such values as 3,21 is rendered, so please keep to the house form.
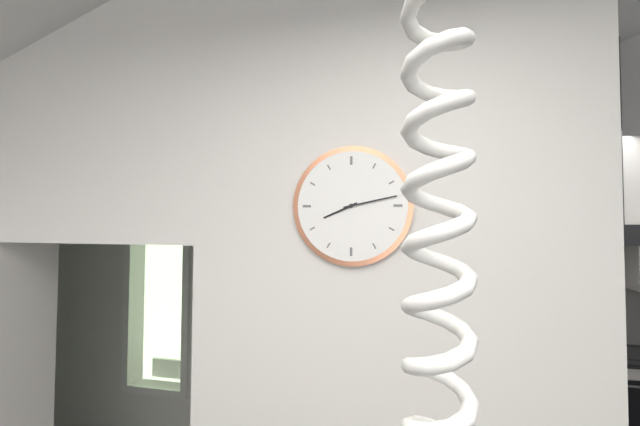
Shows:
8,13
